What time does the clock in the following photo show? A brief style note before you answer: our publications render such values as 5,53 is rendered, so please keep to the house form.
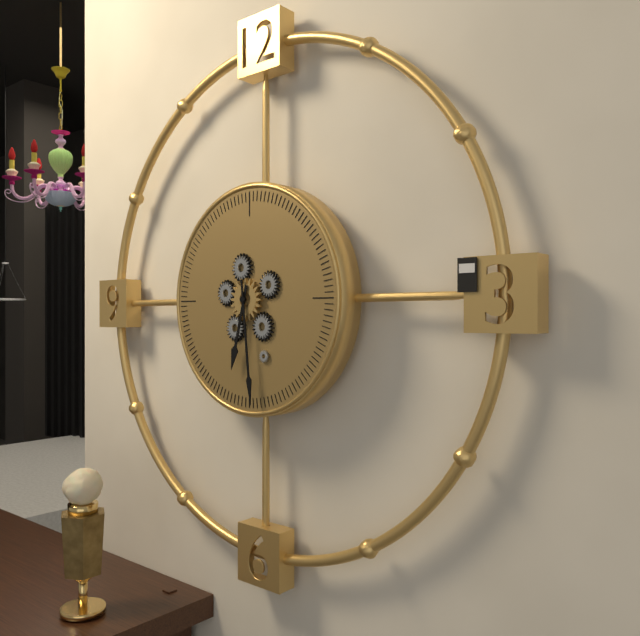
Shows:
6,29
